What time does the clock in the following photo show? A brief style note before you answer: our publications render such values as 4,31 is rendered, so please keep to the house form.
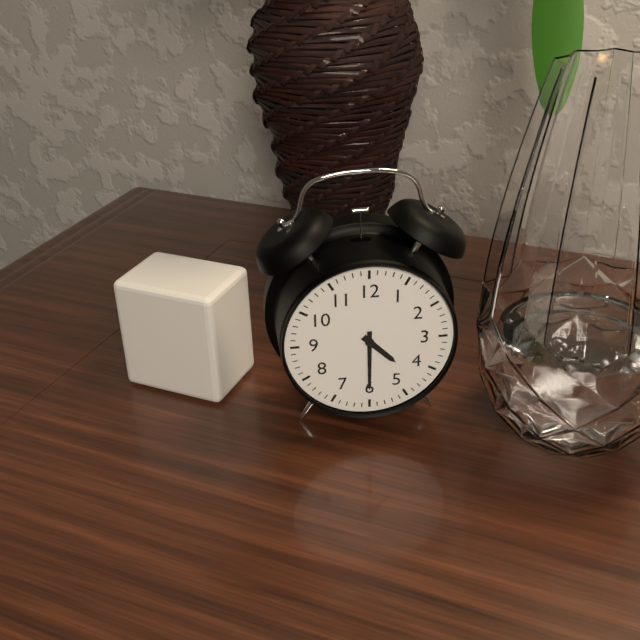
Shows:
4,30
